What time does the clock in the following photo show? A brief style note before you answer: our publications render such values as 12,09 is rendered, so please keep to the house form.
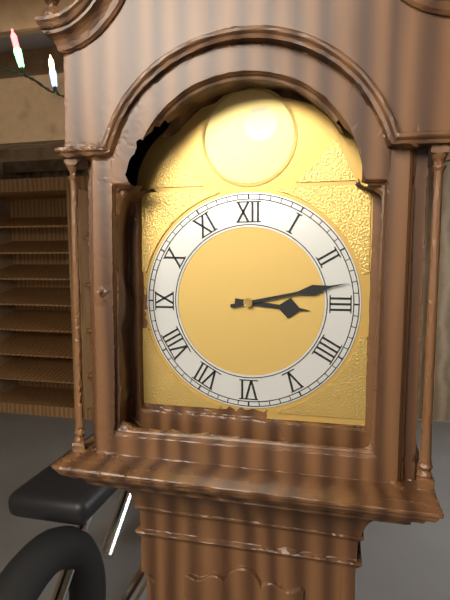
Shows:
3,13
